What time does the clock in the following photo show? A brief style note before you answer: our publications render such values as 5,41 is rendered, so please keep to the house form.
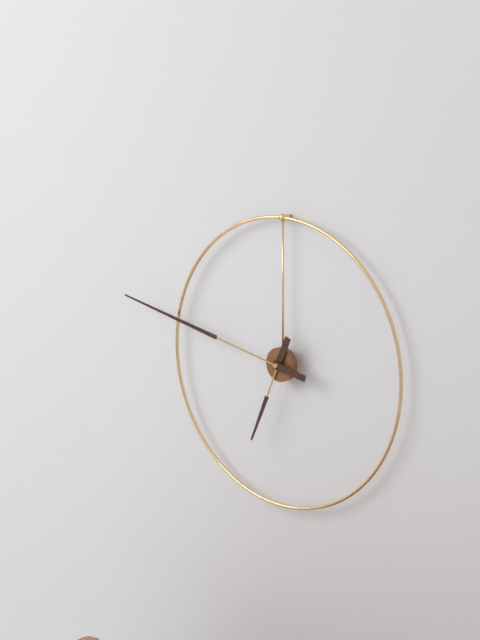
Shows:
6,47
